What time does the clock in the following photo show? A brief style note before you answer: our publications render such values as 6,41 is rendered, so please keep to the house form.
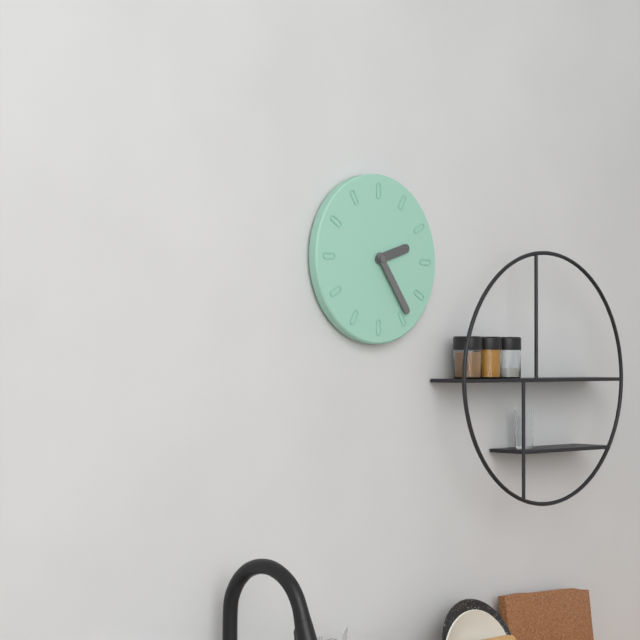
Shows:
2,24
